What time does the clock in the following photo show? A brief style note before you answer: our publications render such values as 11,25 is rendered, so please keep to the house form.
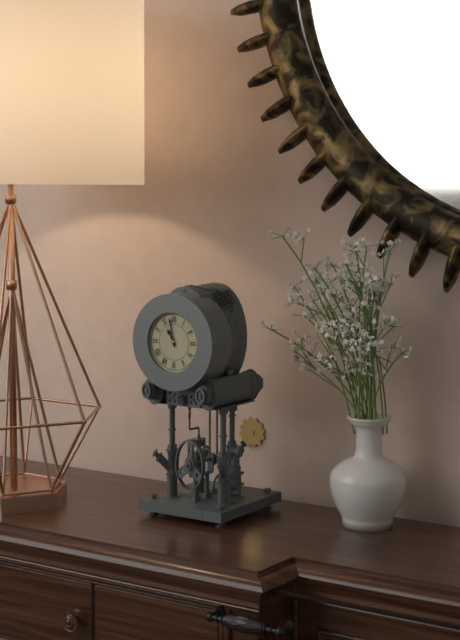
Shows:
10,58
